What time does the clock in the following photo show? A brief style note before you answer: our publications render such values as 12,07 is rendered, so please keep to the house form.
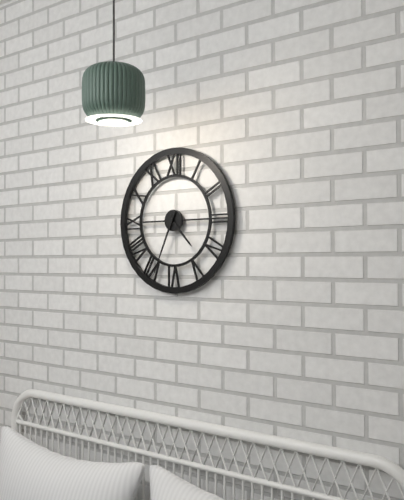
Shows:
4,34
